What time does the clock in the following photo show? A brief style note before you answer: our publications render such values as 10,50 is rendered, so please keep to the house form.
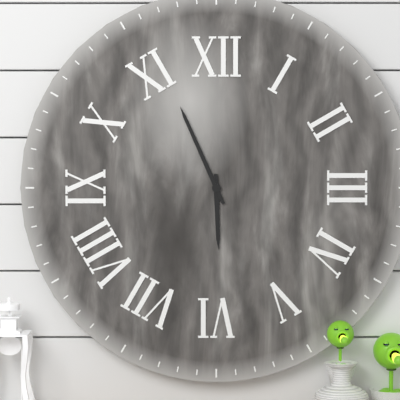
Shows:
5,56
